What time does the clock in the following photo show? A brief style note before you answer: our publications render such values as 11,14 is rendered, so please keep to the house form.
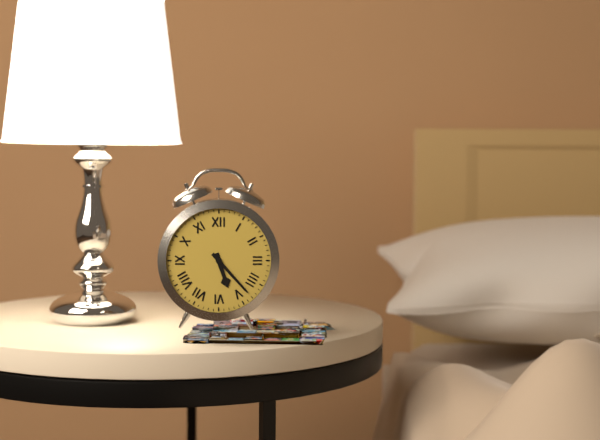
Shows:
5,23
